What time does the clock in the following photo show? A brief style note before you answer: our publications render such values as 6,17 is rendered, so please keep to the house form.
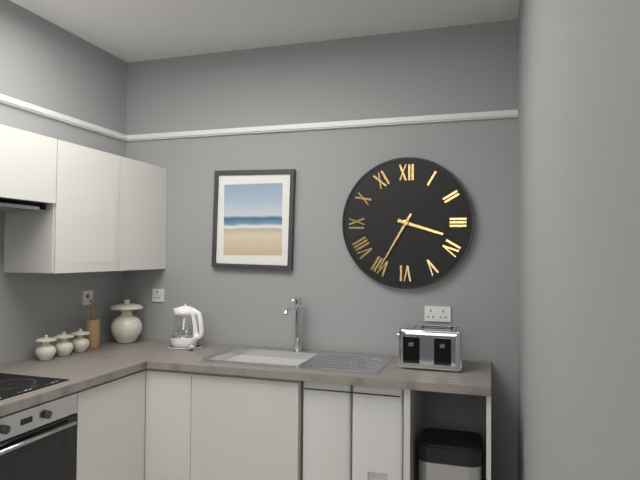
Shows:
3,35
